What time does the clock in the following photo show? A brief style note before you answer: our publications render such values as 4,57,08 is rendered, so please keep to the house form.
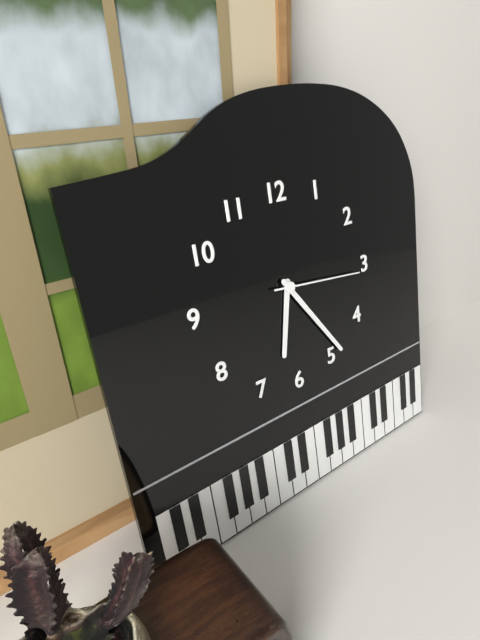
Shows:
6,24,16
